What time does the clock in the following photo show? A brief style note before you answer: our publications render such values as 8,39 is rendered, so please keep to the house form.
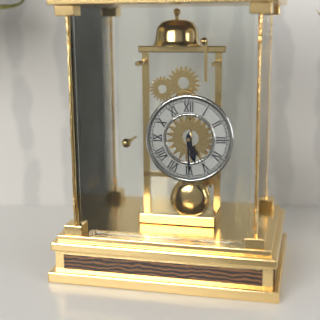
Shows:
5,30
